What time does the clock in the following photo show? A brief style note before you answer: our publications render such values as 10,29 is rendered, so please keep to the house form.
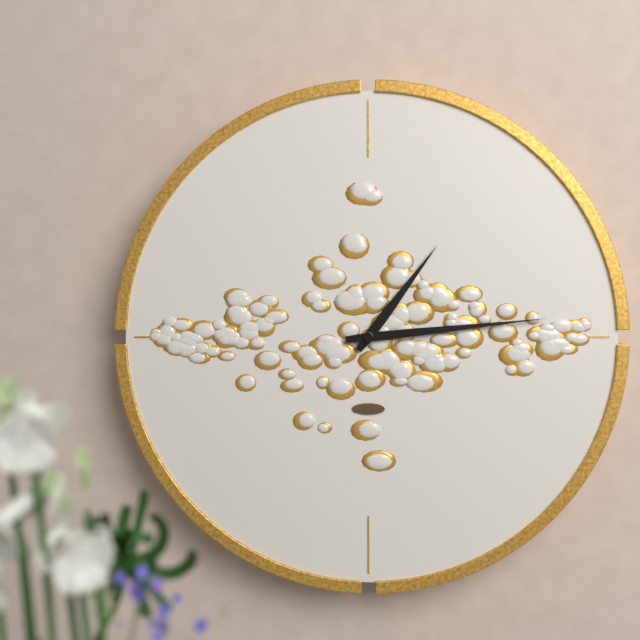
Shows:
1,14
